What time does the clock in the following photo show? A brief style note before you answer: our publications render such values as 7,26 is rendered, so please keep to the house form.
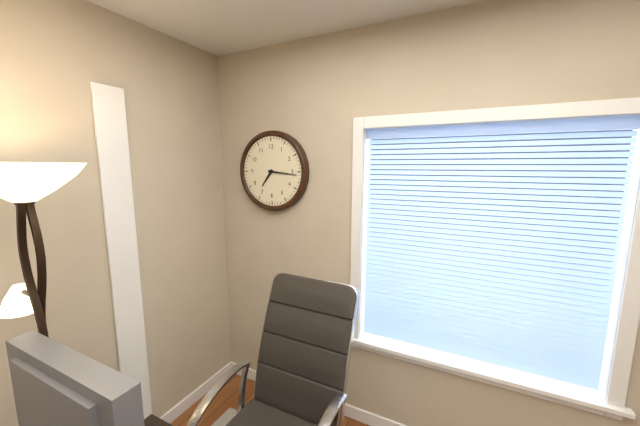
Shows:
7,16
